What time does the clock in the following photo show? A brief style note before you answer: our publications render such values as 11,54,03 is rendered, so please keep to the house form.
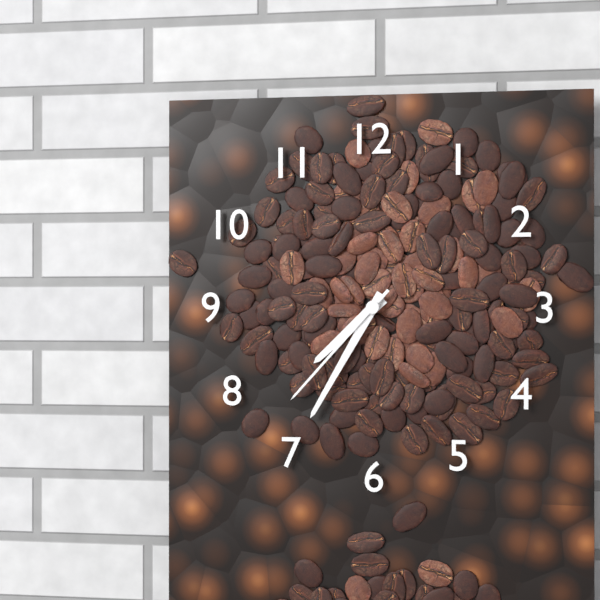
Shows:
7,35,37
